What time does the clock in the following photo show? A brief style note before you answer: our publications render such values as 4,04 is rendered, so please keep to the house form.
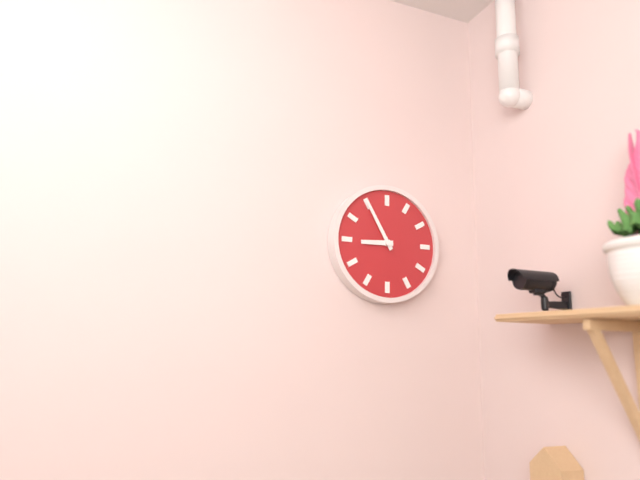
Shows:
8,55
